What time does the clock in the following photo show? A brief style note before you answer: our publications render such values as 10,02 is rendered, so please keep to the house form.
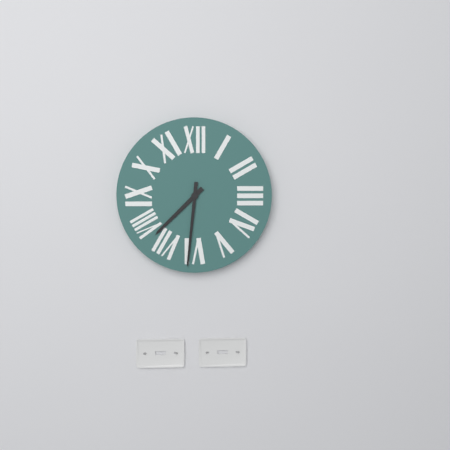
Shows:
7,31
